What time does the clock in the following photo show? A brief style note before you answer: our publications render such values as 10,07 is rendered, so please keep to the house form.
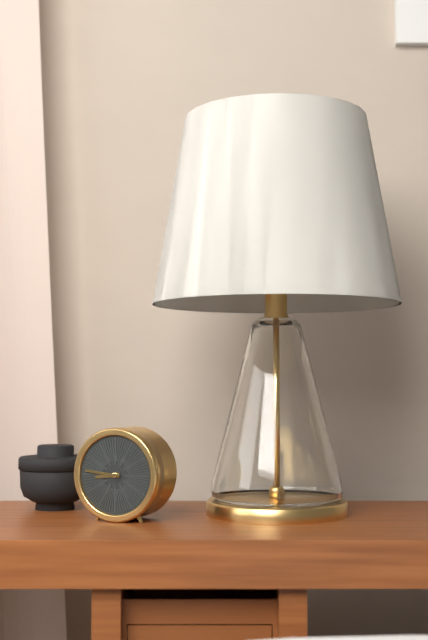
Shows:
8,46
